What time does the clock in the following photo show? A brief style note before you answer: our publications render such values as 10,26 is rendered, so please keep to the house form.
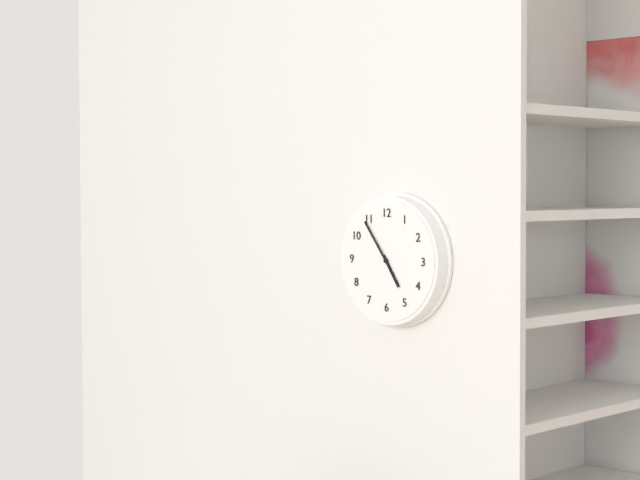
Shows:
4,54
